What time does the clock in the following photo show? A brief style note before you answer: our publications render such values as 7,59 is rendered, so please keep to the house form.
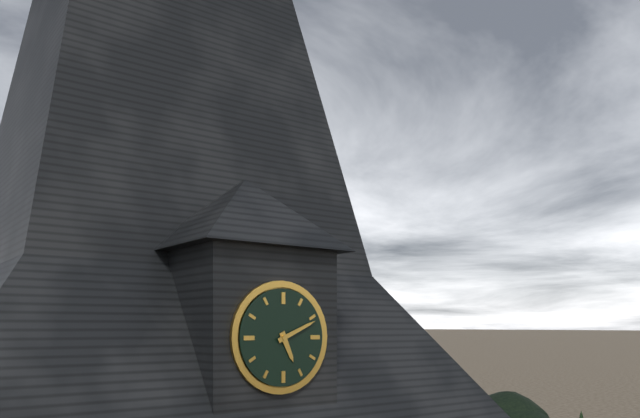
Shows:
5,11
